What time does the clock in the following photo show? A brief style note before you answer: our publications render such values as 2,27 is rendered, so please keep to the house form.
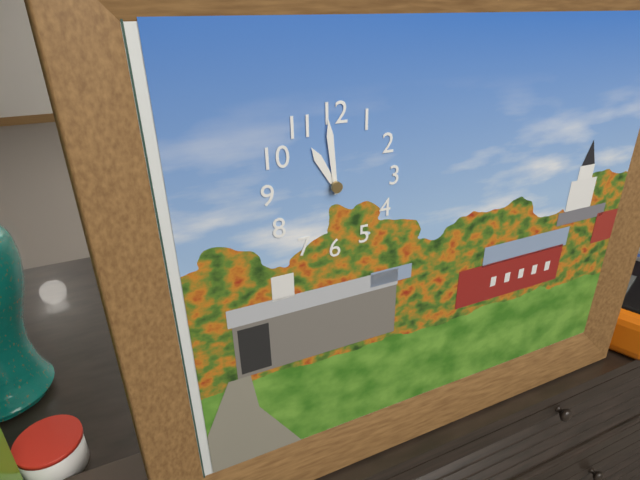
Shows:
10,59
